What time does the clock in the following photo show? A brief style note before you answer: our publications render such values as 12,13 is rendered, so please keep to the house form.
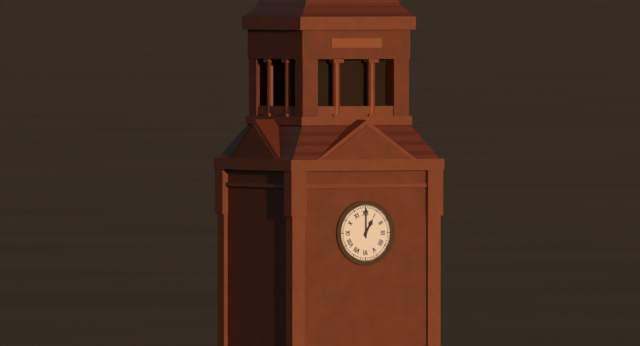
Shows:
1,00
